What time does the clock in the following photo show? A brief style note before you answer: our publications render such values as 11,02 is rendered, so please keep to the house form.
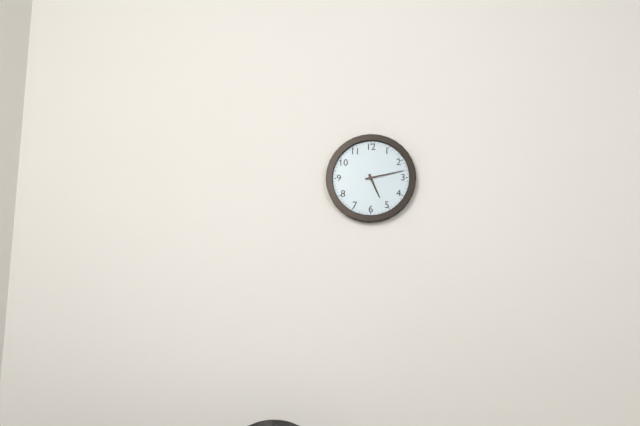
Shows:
5,13
